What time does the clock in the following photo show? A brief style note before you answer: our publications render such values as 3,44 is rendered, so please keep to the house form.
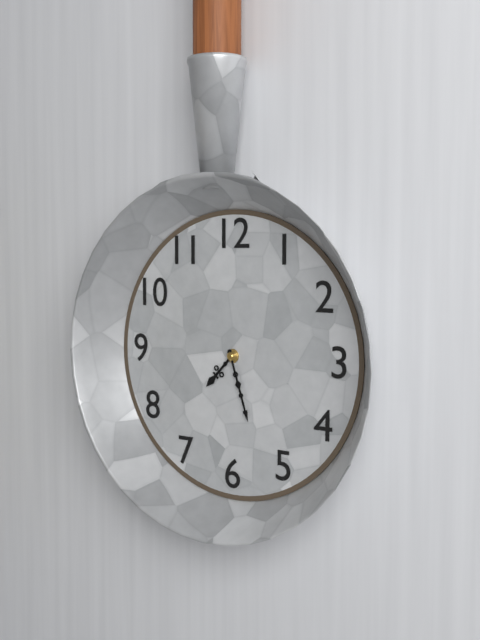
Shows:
7,27
